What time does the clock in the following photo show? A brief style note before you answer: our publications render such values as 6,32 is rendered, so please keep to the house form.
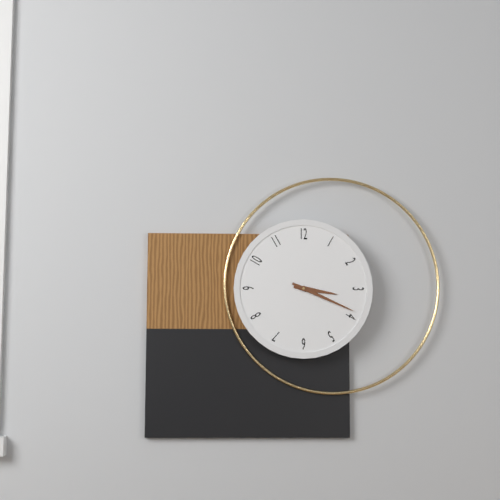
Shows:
3,19
